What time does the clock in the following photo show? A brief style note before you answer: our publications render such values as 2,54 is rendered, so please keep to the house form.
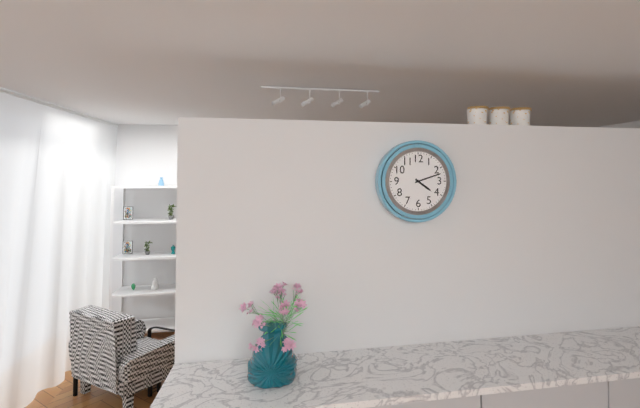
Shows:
4,12
